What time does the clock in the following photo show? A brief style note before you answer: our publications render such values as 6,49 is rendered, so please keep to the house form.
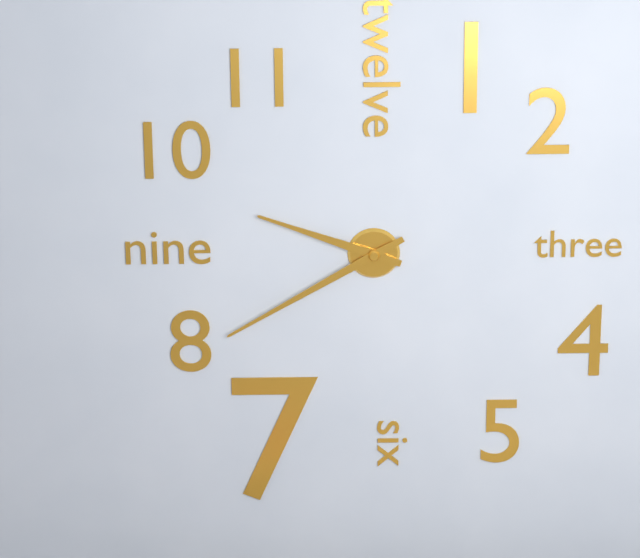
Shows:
9,40
